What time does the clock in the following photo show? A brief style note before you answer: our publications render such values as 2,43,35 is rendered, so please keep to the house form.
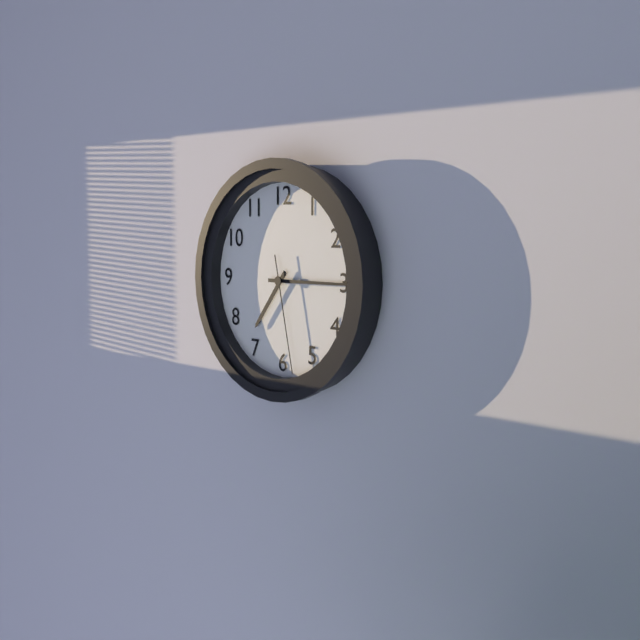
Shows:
7,15,28
